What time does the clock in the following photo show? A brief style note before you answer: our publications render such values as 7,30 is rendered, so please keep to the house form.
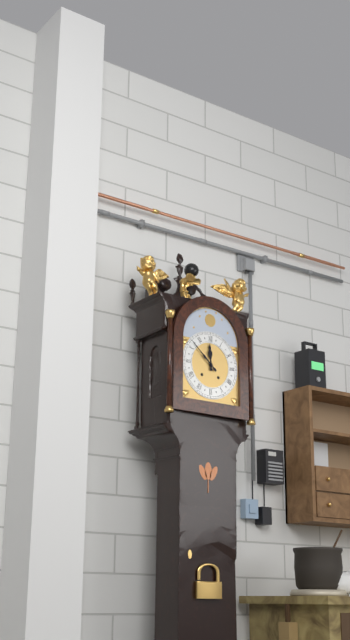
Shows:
11,52
